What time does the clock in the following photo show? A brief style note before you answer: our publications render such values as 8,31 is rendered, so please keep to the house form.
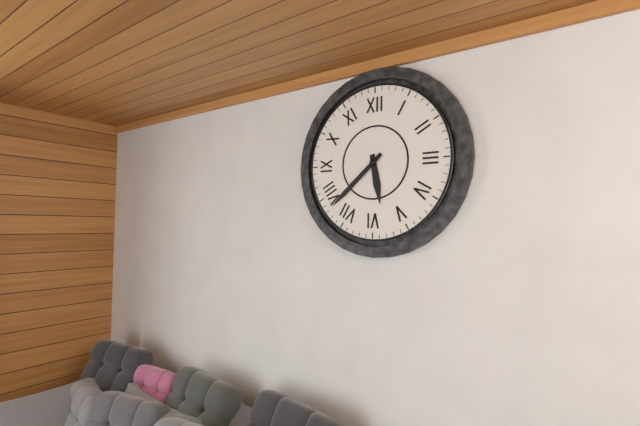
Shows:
5,38
